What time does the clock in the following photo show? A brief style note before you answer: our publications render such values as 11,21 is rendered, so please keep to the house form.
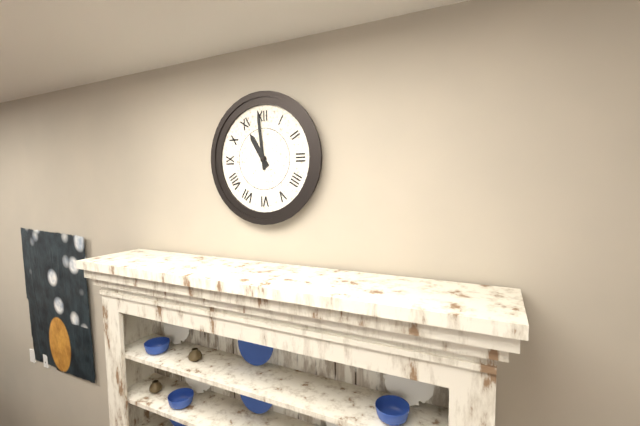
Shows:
10,59
